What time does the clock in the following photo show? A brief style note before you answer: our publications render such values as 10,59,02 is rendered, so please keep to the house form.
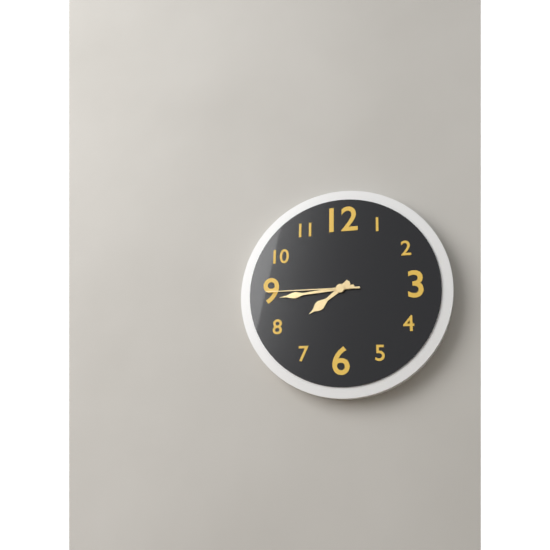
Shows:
7,44,45
